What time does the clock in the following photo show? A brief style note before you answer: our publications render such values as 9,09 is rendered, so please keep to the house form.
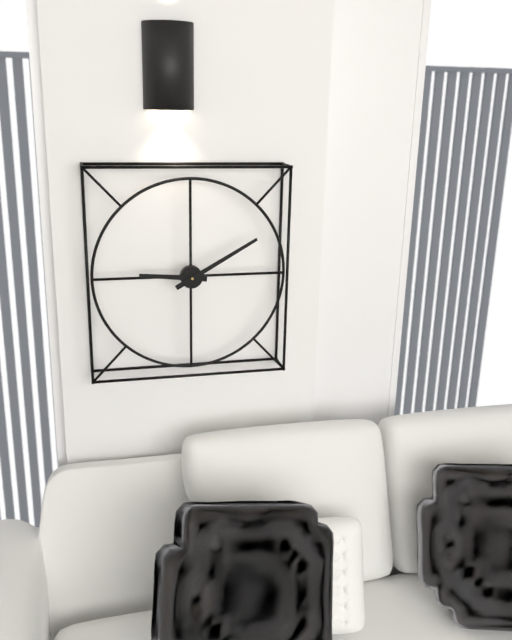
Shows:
9,10
